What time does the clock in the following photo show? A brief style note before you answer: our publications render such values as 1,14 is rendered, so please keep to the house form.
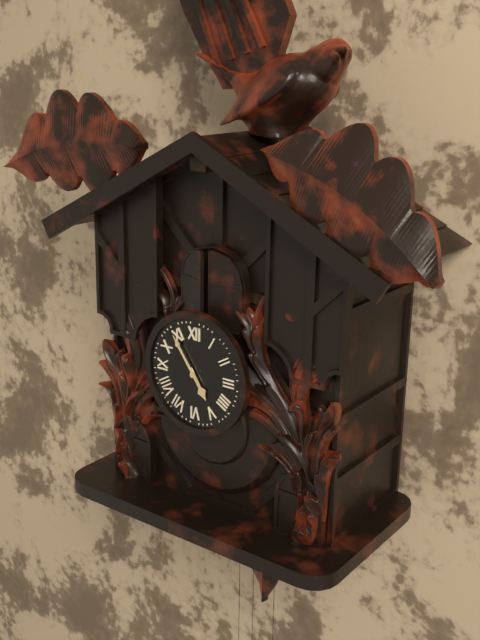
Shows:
4,54
